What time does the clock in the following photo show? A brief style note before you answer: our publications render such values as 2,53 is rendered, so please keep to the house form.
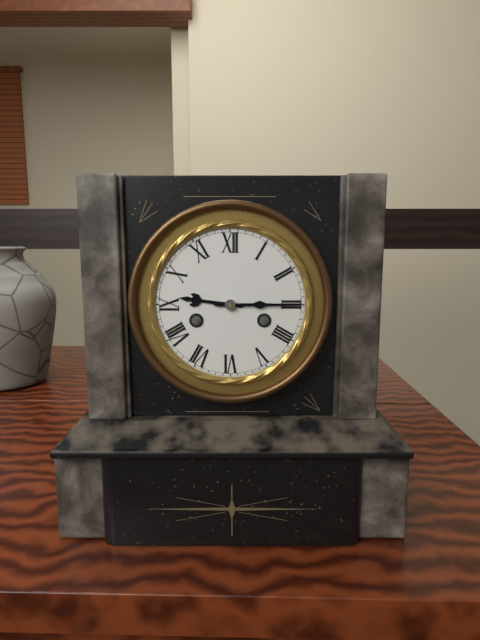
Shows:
9,15
